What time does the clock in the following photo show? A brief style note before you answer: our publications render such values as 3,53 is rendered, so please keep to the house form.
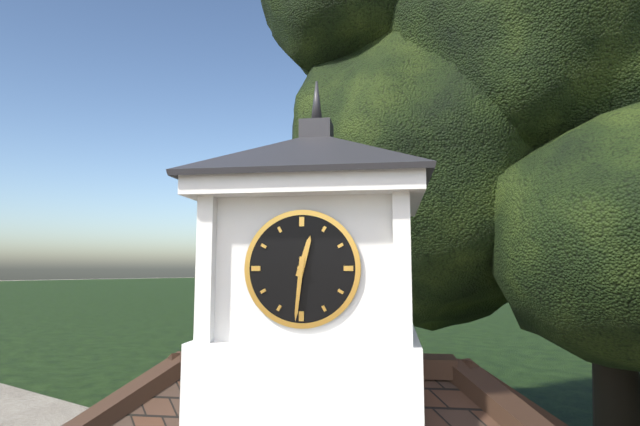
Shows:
12,31
